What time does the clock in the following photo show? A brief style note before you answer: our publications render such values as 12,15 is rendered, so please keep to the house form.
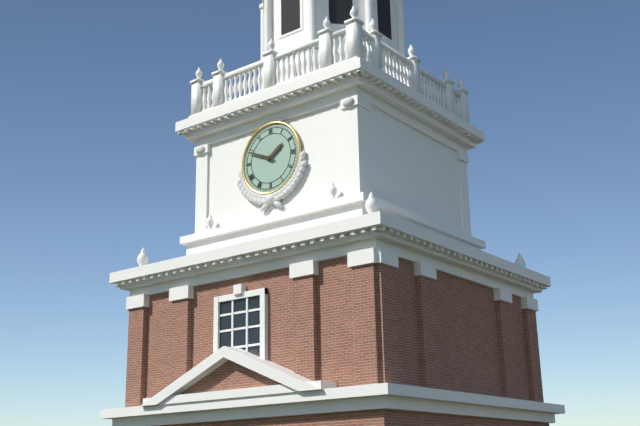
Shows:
1,49
